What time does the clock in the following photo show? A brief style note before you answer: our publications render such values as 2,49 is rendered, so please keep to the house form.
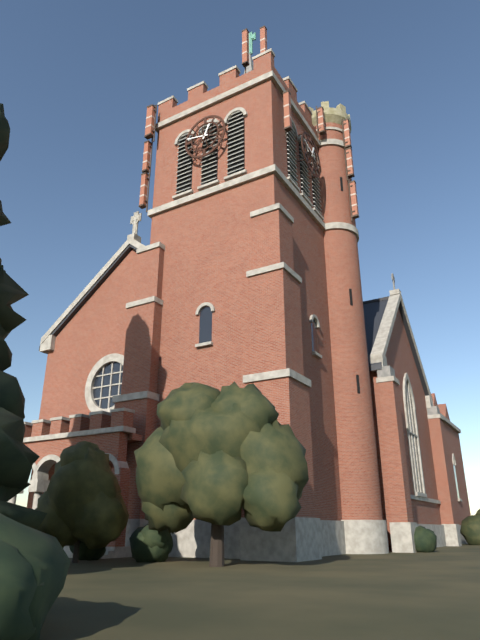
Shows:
12,47
